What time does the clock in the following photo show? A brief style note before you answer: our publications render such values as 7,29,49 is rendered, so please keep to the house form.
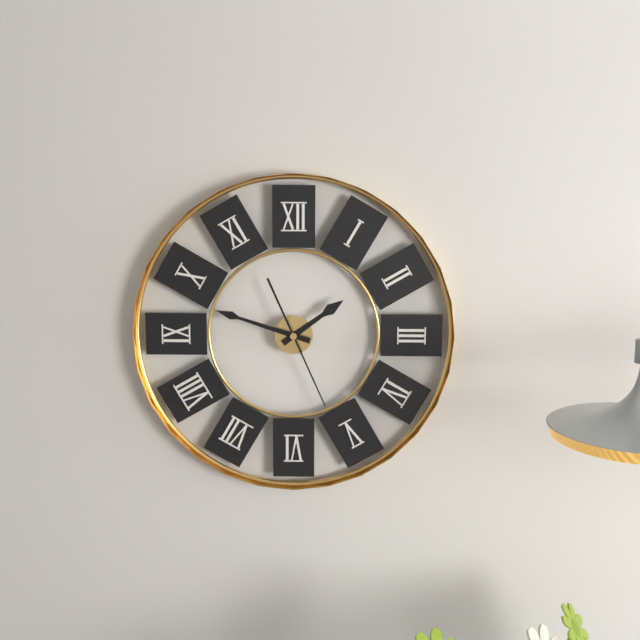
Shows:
1,48,26
